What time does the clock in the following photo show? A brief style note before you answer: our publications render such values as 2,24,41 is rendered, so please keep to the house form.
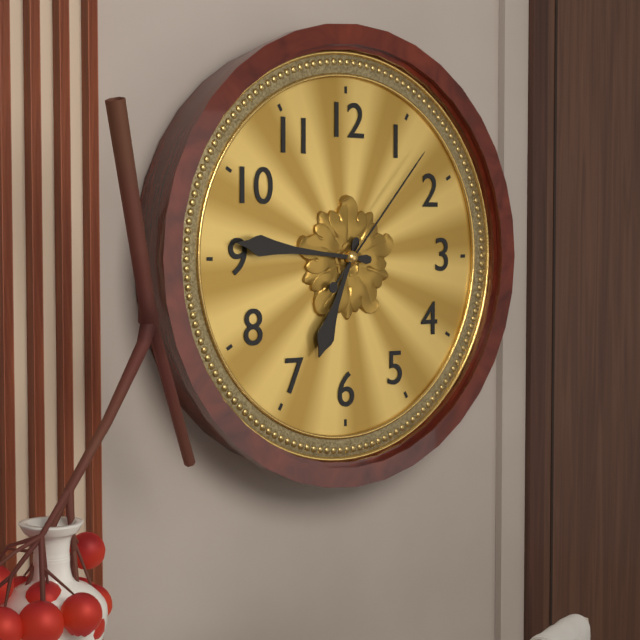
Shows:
6,46,07
